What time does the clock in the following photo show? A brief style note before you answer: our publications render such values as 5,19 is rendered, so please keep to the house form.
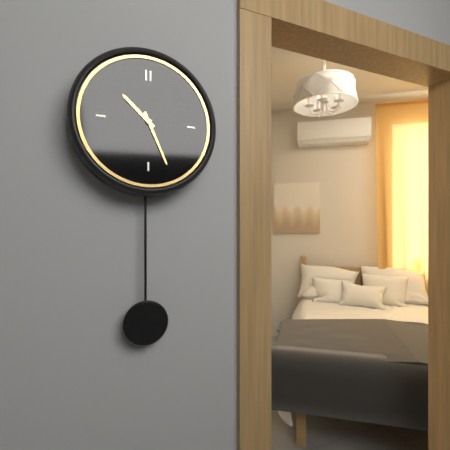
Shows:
10,26
